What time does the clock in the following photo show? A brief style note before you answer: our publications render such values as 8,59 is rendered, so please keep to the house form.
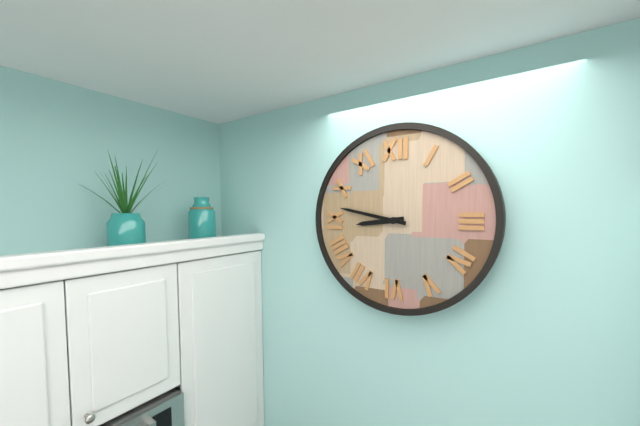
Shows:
8,47
